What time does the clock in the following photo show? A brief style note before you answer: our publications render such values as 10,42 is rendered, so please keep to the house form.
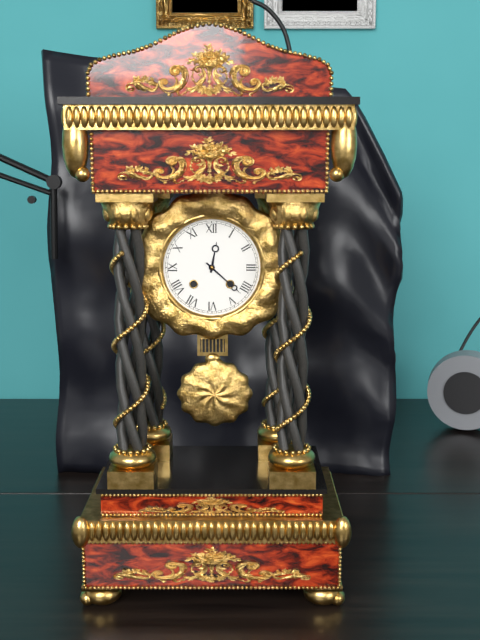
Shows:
12,22
